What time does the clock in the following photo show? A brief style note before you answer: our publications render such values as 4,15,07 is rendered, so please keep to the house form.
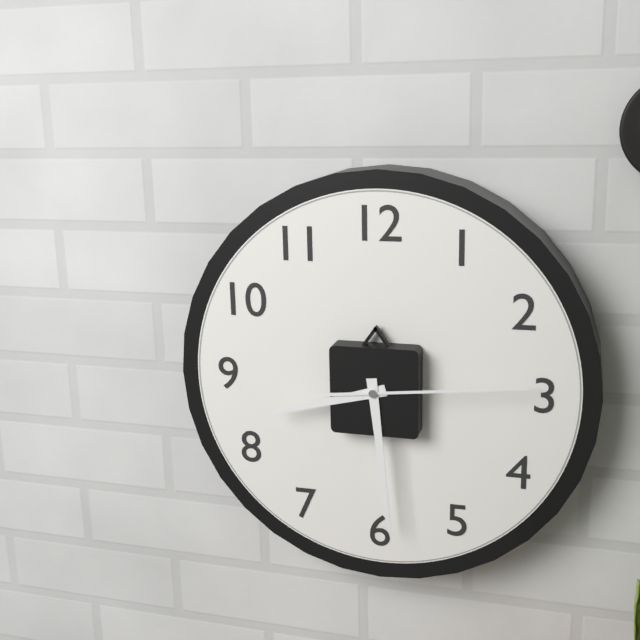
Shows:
8,29,14
